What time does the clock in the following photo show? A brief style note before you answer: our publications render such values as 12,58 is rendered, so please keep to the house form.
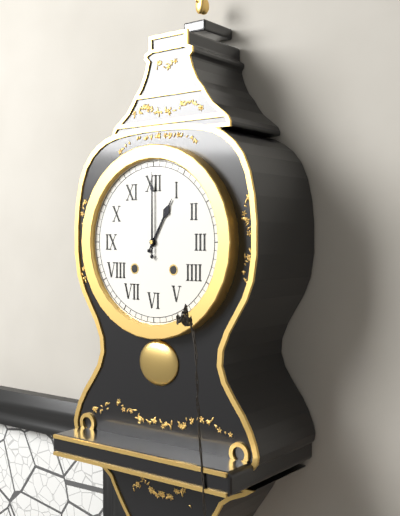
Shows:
1,00
